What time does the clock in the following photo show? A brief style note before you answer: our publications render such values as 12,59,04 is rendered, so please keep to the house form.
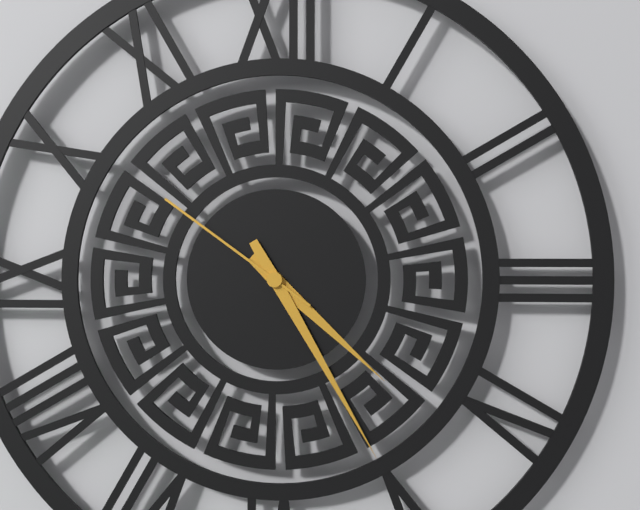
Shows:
4,25,51
